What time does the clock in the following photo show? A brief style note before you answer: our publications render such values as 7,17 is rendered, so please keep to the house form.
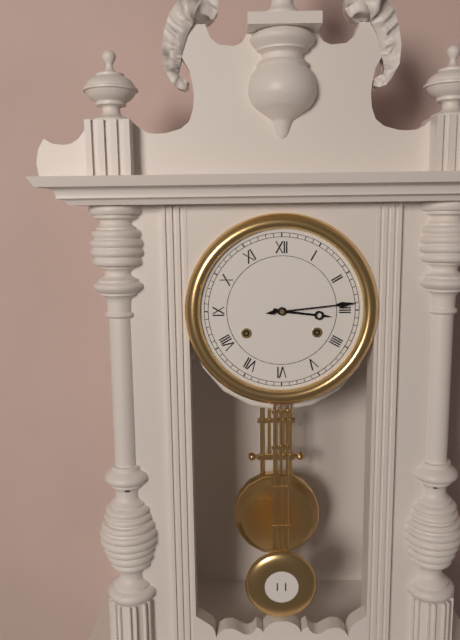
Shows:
3,14
